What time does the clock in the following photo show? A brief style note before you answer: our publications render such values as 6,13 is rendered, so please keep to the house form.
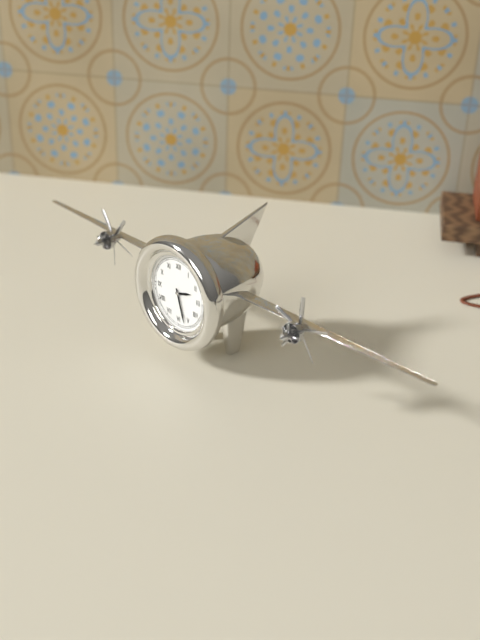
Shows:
2,27
